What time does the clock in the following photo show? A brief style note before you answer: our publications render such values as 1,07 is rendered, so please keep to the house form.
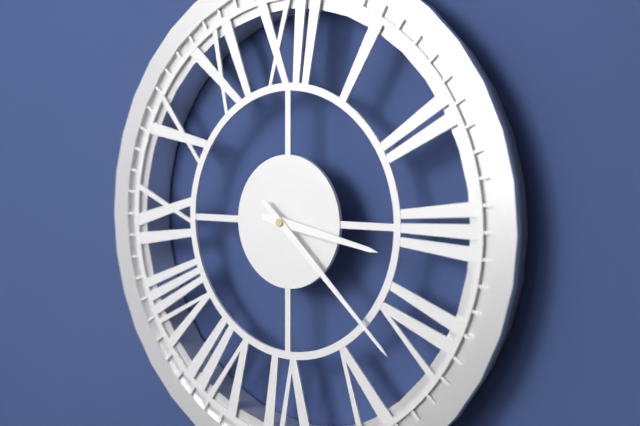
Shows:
3,22
